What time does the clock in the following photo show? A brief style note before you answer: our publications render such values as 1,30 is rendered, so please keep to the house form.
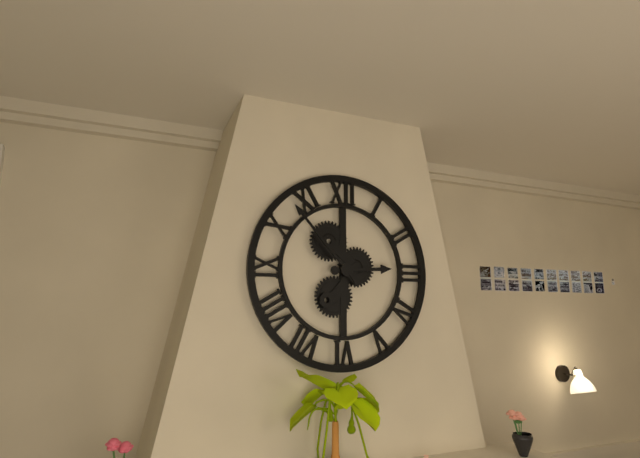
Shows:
2,53
